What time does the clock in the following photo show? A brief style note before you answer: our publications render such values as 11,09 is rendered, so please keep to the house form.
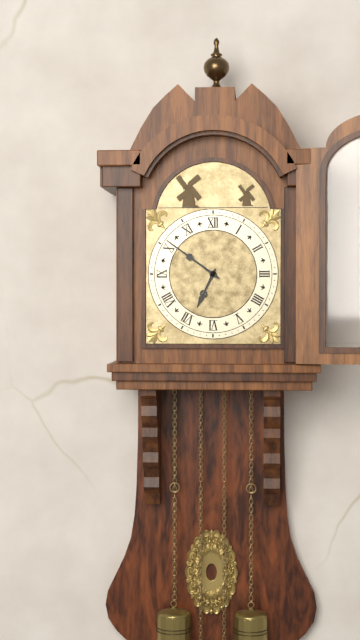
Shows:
6,51
